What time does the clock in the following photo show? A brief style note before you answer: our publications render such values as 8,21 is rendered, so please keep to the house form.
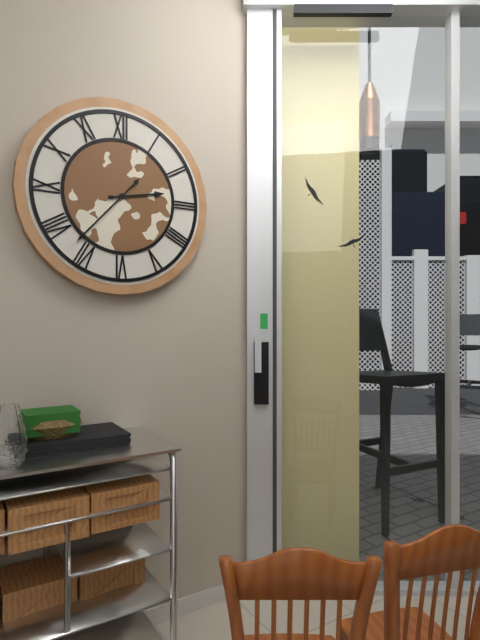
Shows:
2,37
